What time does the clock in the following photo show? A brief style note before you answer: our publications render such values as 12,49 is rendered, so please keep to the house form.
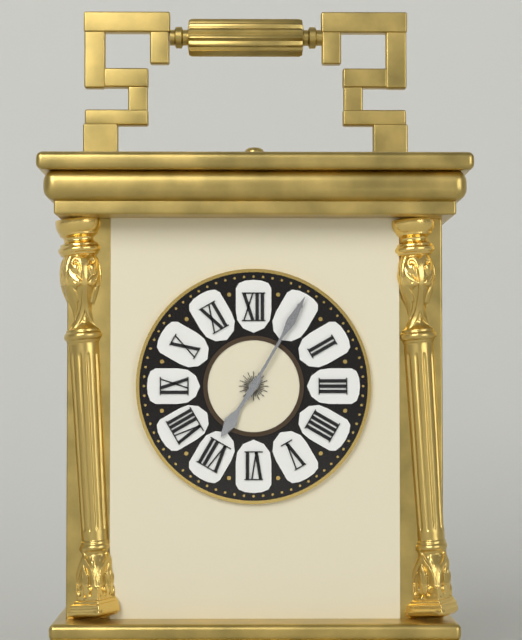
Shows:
7,05
